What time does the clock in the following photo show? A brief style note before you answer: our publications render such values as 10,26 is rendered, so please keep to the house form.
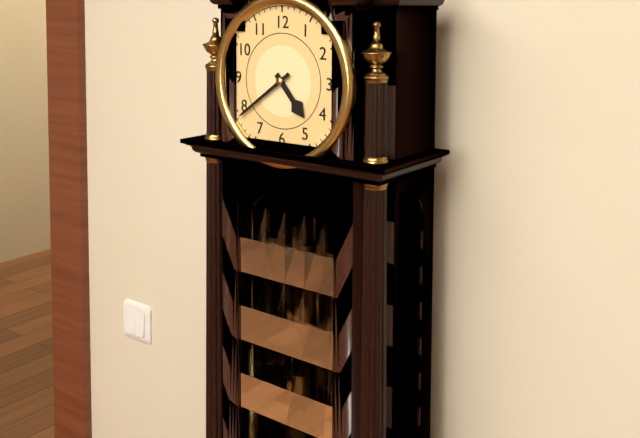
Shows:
4,39
